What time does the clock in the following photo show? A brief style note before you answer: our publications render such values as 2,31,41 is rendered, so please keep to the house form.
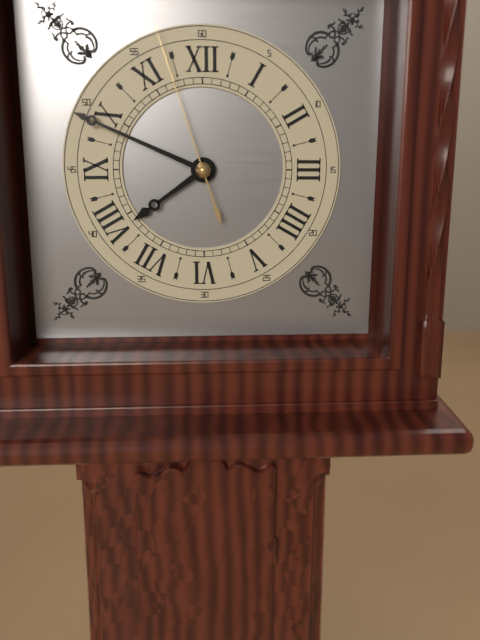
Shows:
7,49,57
